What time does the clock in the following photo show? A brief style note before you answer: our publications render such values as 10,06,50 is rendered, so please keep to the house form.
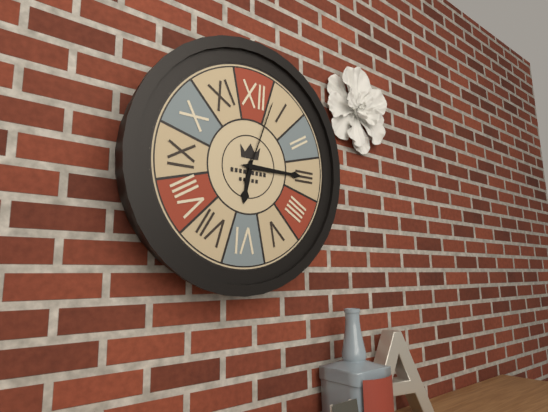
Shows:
6,15,03
